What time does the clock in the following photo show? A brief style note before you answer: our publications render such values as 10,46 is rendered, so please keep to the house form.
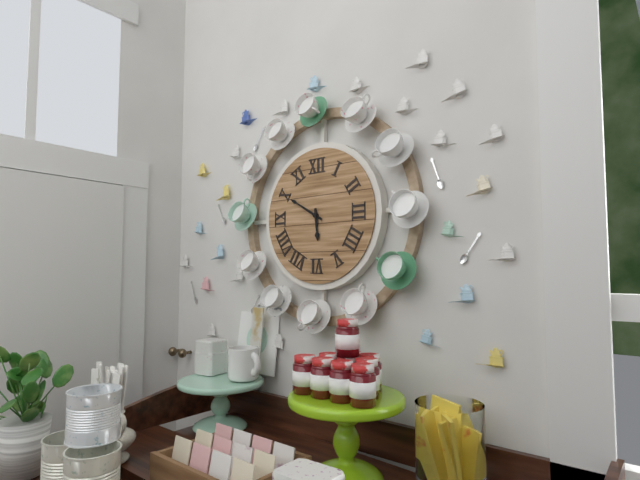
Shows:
5,50
